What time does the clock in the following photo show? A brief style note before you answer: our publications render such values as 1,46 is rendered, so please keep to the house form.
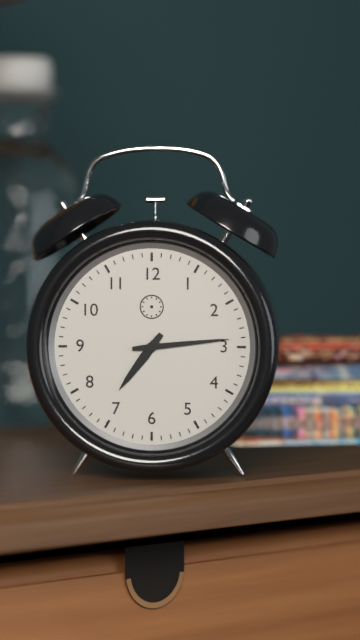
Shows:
7,14
